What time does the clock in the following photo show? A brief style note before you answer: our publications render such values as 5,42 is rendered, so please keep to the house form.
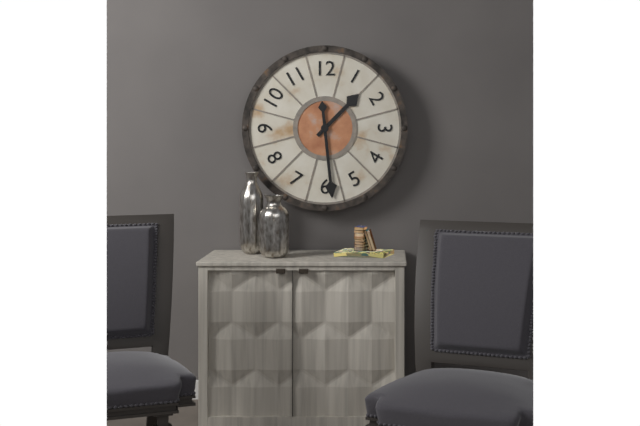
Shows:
1,29
